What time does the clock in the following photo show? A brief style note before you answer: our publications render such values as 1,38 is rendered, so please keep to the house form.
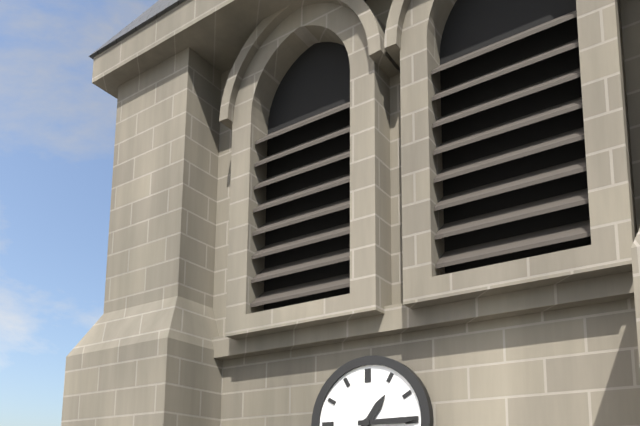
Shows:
1,15
